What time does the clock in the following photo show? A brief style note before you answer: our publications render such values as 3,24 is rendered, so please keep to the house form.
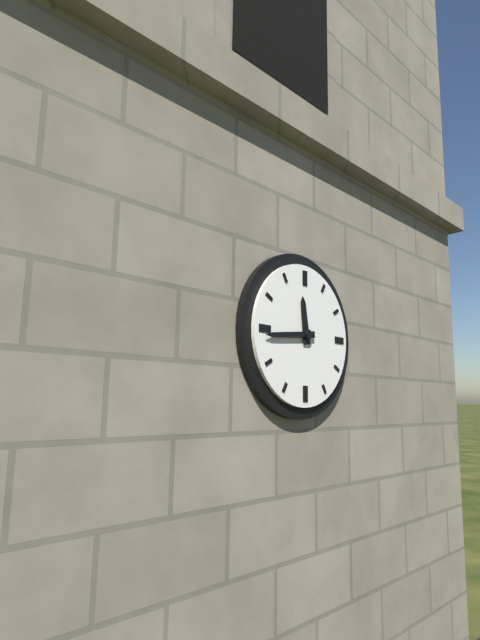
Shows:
11,44
